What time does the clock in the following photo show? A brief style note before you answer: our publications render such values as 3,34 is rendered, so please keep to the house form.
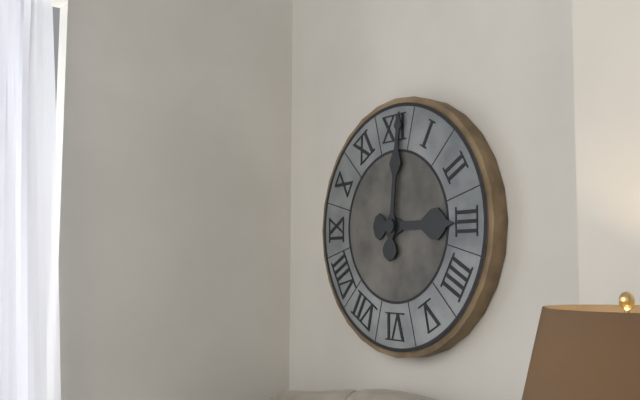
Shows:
3,01
